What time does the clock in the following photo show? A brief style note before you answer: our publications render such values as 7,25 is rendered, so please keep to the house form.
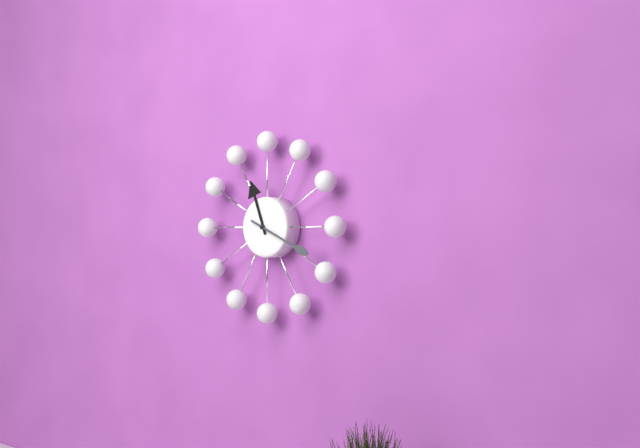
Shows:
11,19
